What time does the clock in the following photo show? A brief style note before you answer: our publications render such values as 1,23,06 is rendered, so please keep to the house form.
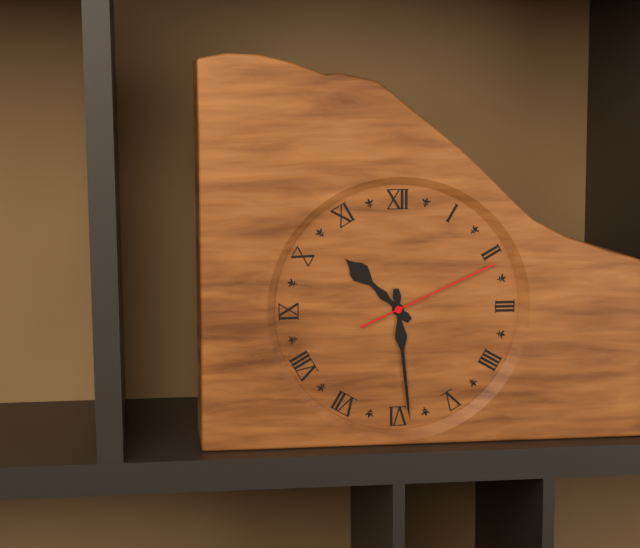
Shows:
10,29,11
